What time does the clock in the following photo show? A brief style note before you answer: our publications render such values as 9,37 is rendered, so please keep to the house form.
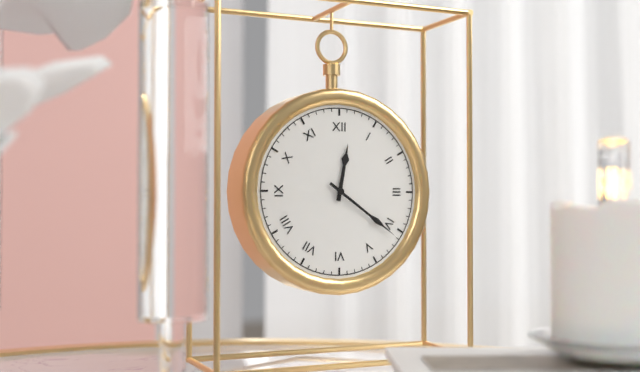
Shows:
12,21
